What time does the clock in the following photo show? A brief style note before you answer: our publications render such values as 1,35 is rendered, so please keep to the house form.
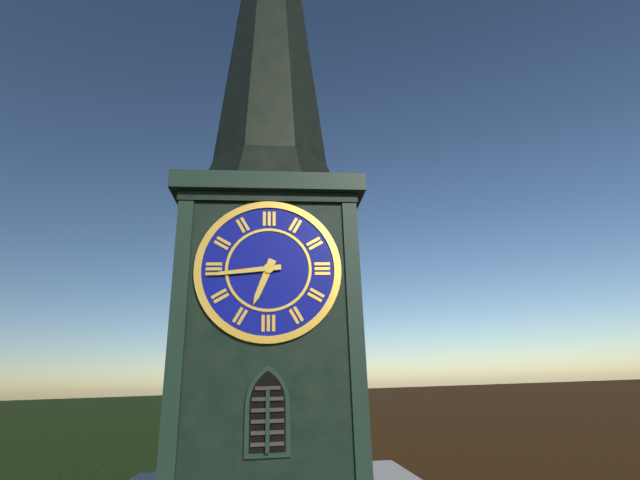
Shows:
6,44
